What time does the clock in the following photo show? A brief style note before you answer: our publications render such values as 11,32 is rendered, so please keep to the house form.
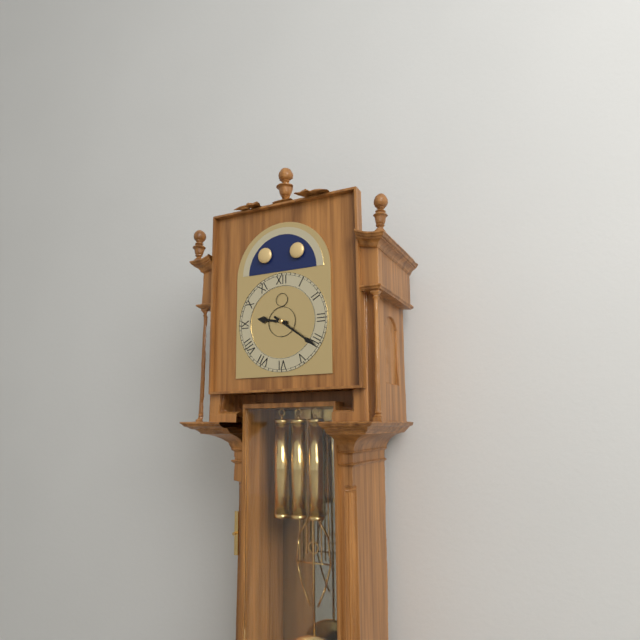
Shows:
9,21
